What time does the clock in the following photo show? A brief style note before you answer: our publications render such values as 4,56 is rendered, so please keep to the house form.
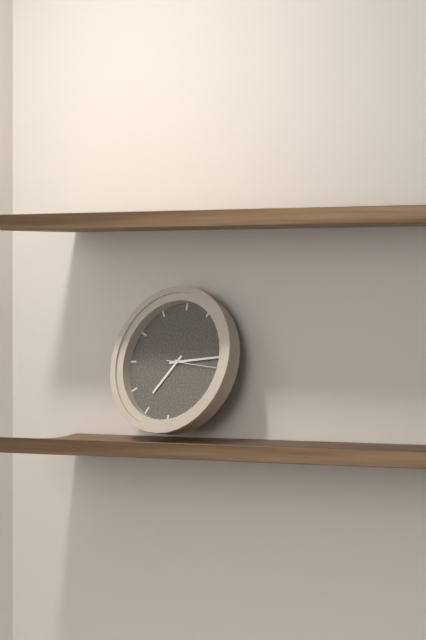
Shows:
7,14
